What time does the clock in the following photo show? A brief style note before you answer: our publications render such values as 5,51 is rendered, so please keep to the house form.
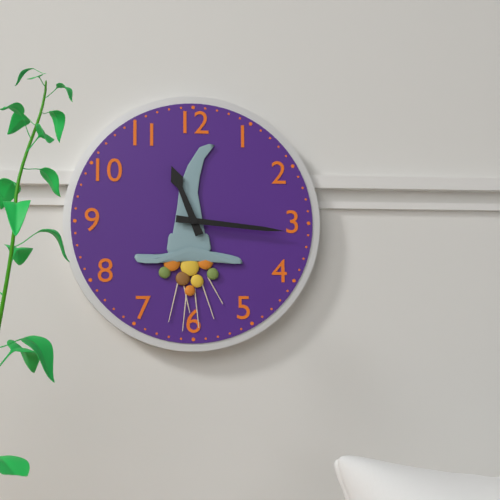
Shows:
11,16
